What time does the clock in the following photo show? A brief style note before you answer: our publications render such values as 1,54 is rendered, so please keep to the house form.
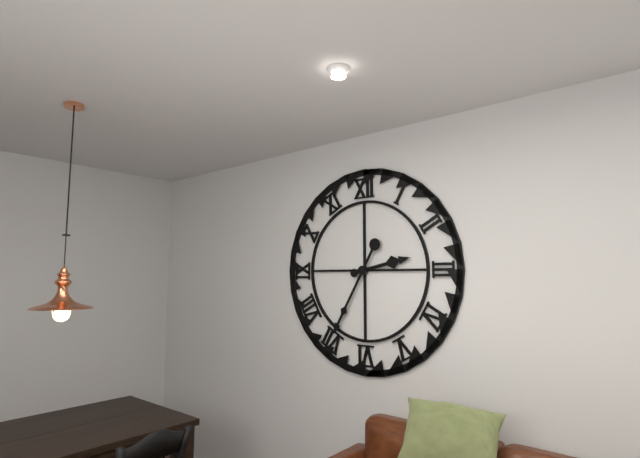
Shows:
2,35
